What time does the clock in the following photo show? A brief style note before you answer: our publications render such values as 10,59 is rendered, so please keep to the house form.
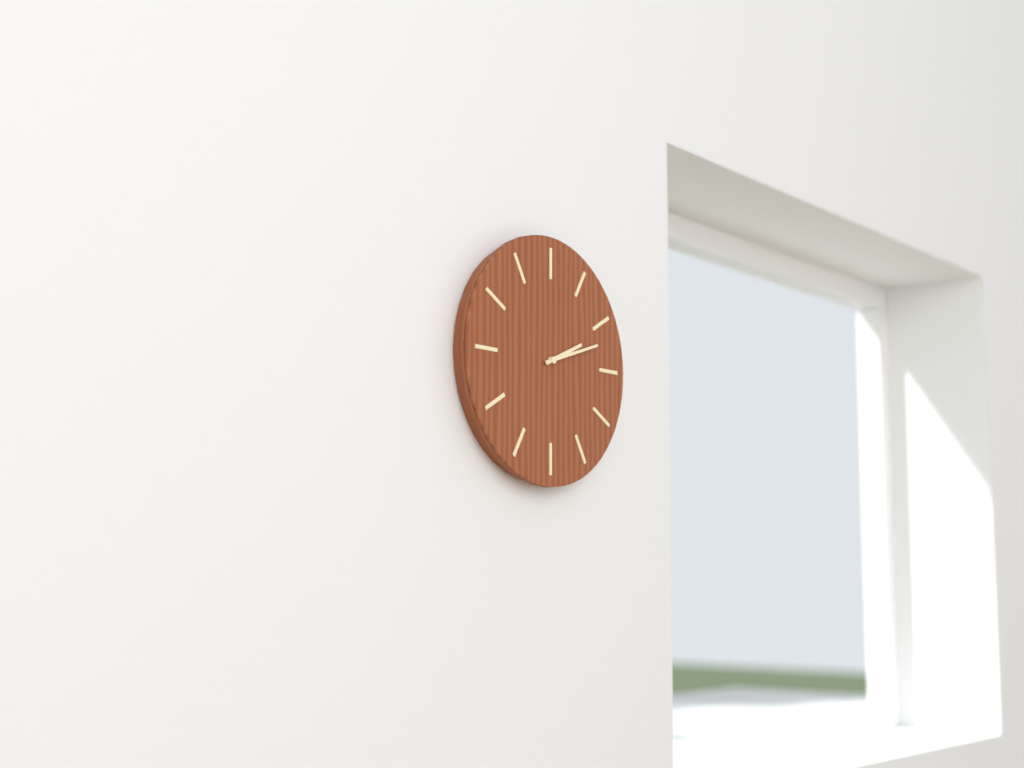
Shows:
2,12
